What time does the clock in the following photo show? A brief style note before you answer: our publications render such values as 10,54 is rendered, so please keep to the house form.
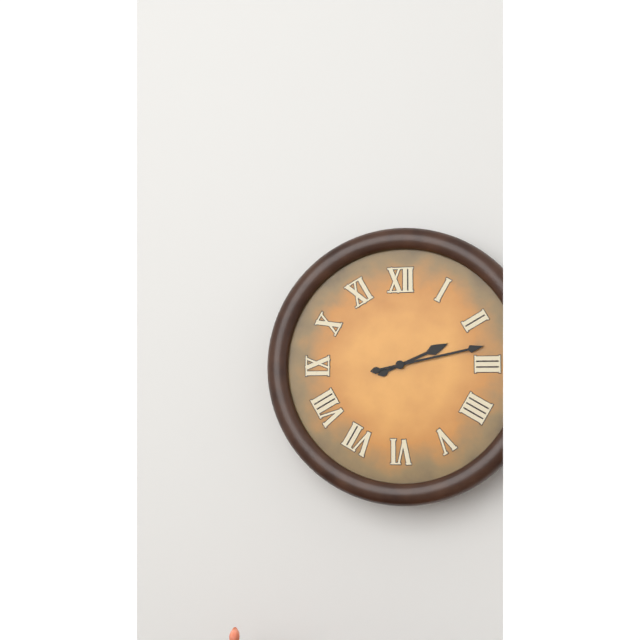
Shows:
2,13
